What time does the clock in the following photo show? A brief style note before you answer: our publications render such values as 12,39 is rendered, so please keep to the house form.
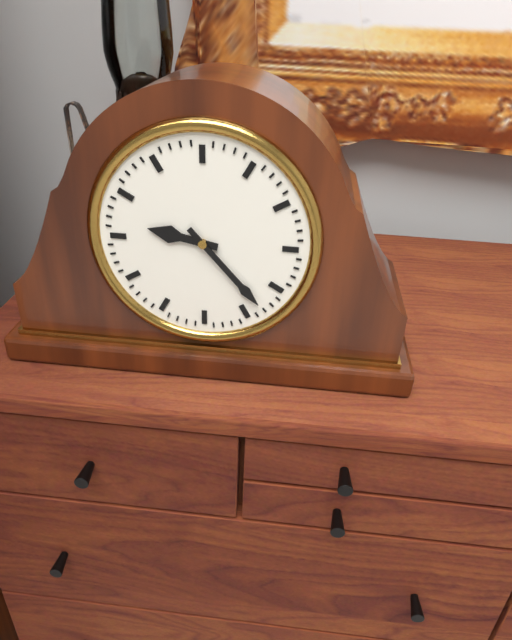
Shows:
9,23
